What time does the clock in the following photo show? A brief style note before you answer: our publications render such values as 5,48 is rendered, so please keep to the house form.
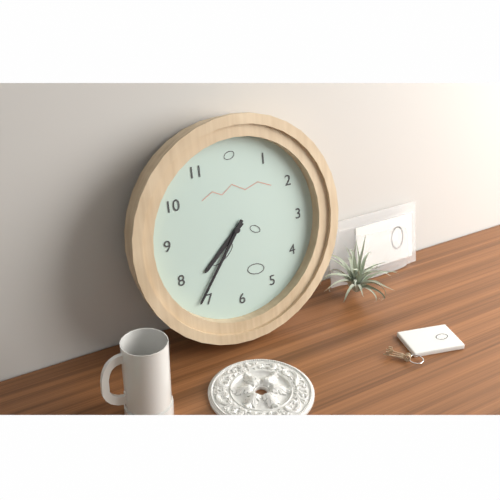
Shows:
7,36
